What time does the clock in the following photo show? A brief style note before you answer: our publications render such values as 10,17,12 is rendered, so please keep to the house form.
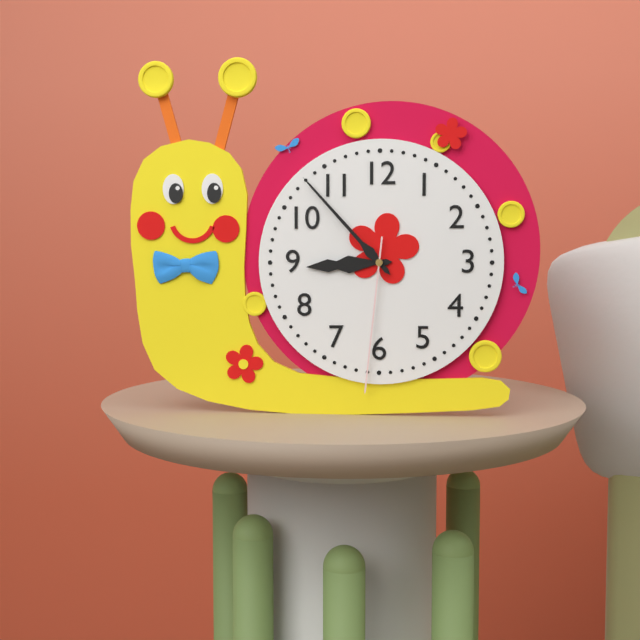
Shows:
8,53,31
